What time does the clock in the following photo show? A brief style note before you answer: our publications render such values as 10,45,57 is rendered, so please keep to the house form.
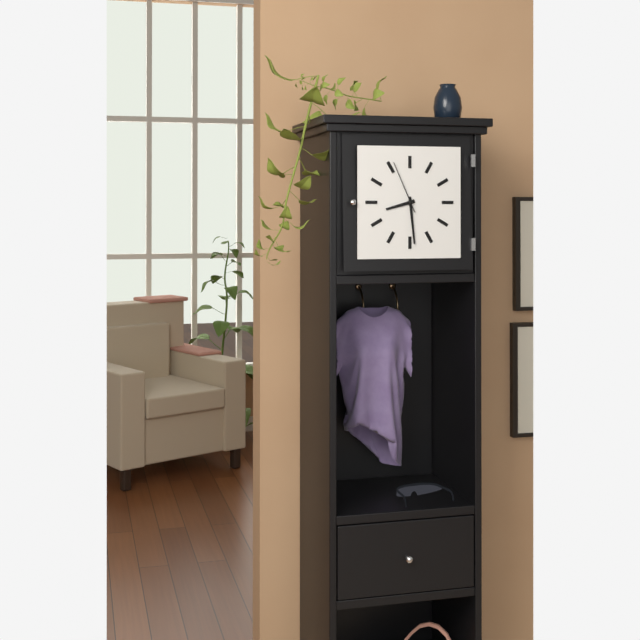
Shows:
8,29,56
